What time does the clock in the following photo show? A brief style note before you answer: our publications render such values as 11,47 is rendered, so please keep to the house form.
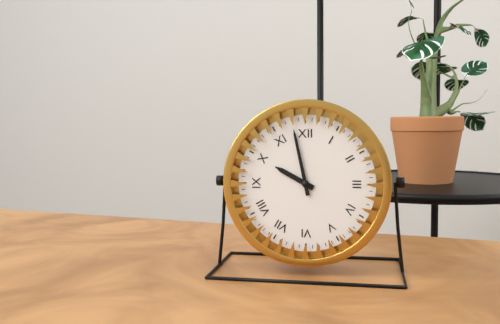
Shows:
9,58
